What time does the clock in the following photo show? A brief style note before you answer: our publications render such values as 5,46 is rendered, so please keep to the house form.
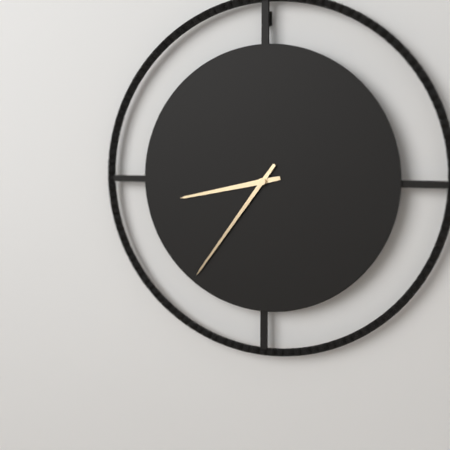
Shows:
8,36
